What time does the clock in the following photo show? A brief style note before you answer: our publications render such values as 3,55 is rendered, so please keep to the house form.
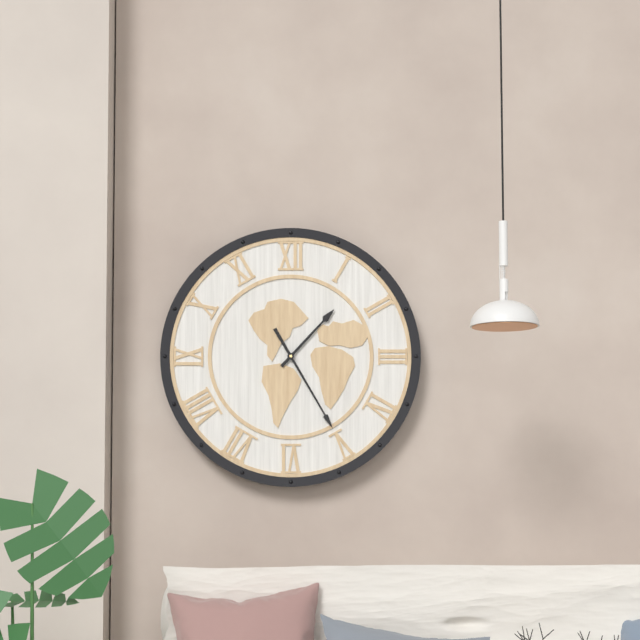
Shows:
1,25
